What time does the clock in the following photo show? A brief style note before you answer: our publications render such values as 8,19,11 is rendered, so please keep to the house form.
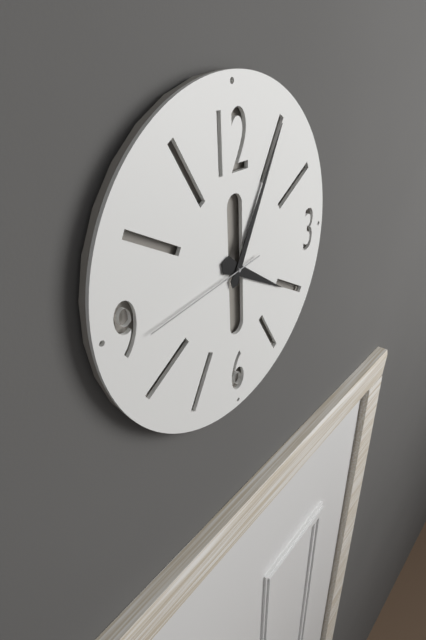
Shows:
4,05,44
